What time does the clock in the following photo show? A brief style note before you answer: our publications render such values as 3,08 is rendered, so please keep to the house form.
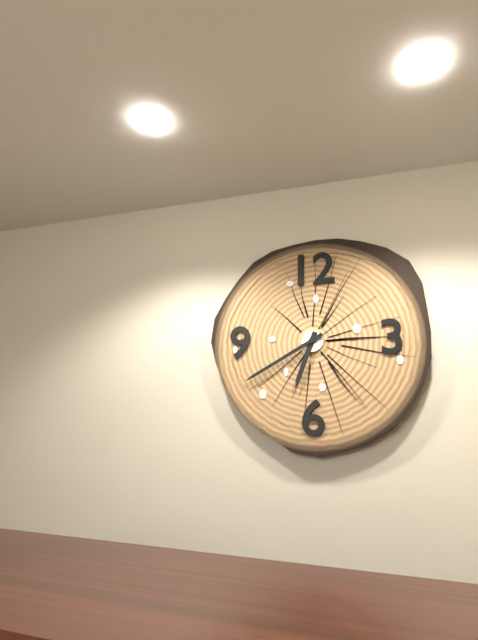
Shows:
6,40
